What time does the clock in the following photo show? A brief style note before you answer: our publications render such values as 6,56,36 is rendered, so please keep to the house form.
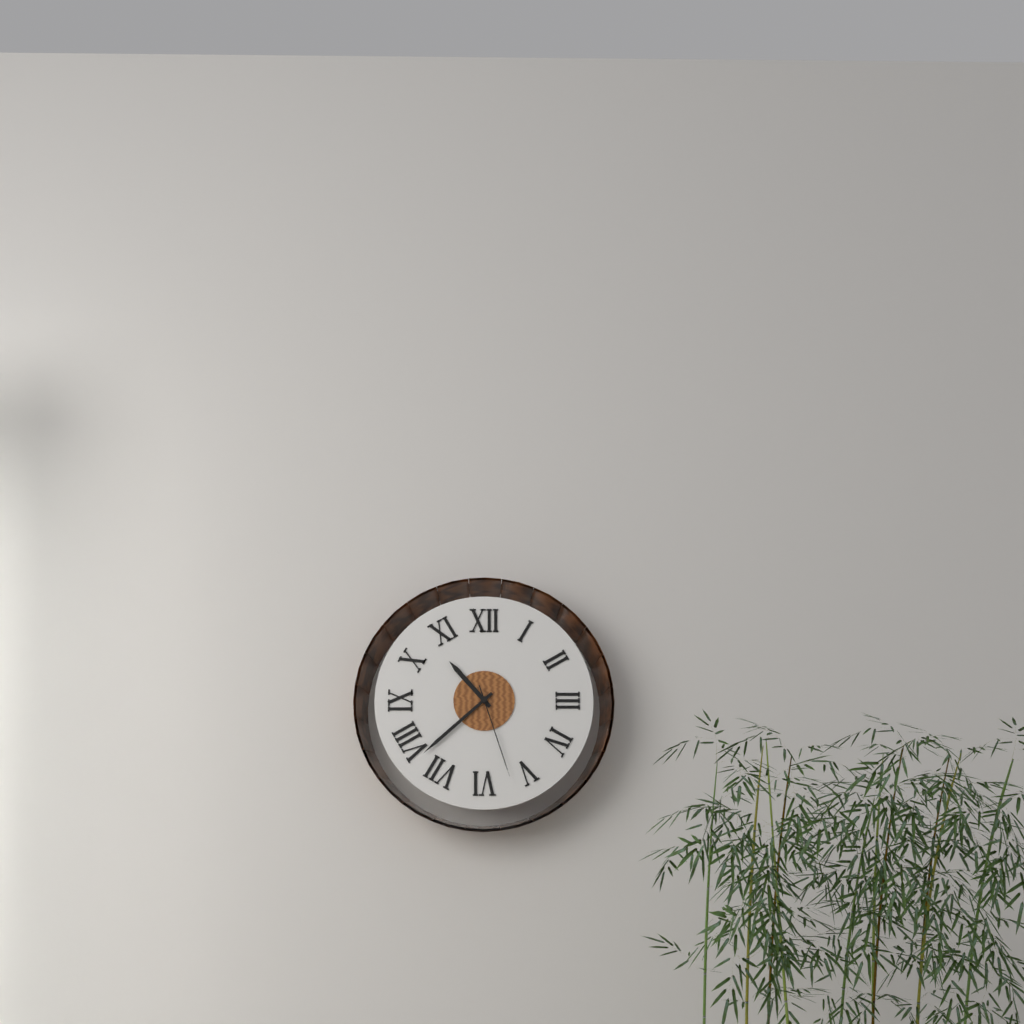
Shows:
10,38,27
